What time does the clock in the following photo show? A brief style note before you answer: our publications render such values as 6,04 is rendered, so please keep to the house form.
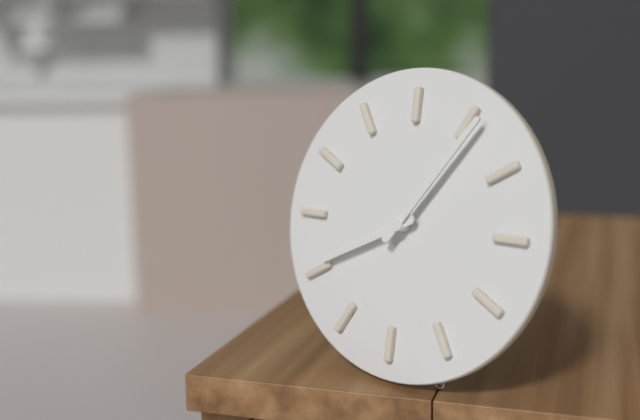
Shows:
8,06
